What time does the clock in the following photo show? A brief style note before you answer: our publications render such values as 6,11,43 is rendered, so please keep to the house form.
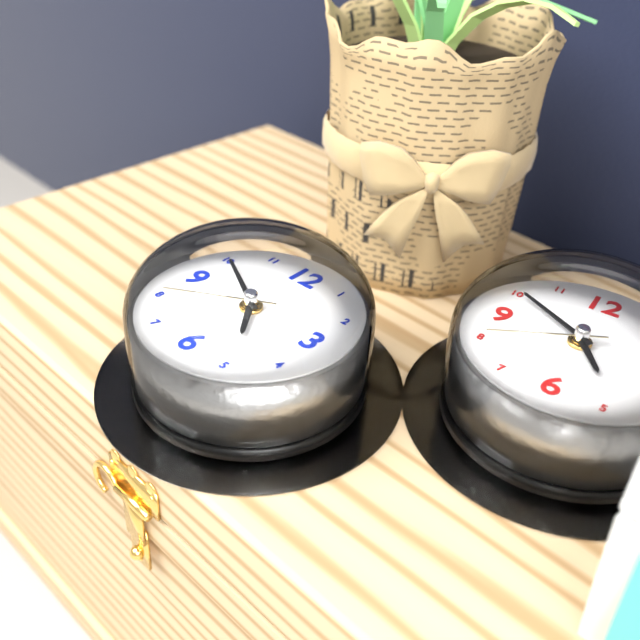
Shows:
4,50,40
